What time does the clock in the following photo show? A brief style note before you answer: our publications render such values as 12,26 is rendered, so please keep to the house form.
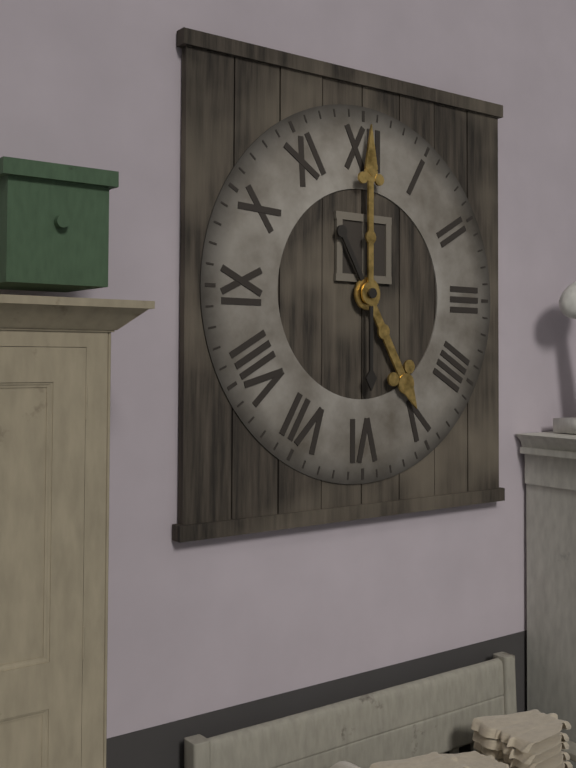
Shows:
5,00
